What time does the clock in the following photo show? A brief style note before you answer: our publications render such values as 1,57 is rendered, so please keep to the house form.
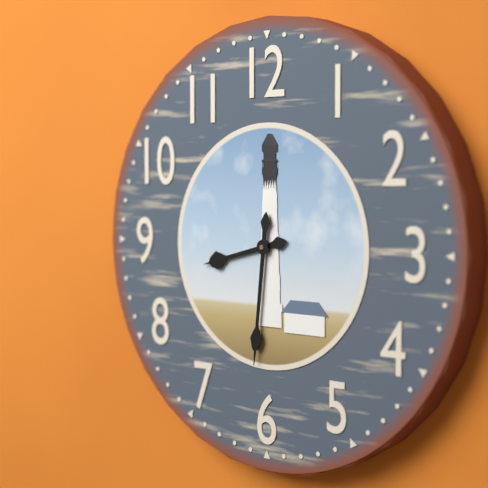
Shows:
8,31
